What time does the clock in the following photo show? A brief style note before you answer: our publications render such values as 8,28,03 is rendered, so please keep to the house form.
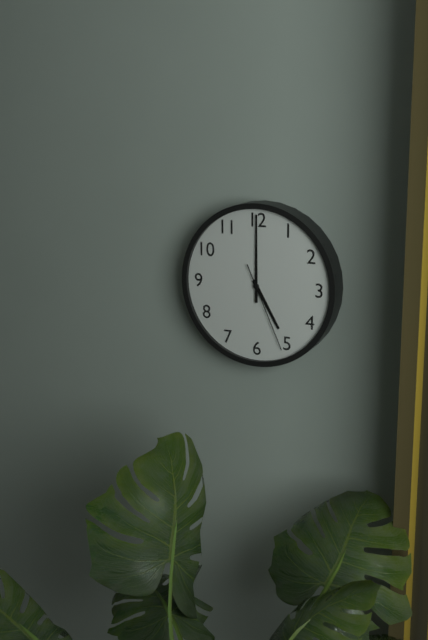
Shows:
5,00,26
